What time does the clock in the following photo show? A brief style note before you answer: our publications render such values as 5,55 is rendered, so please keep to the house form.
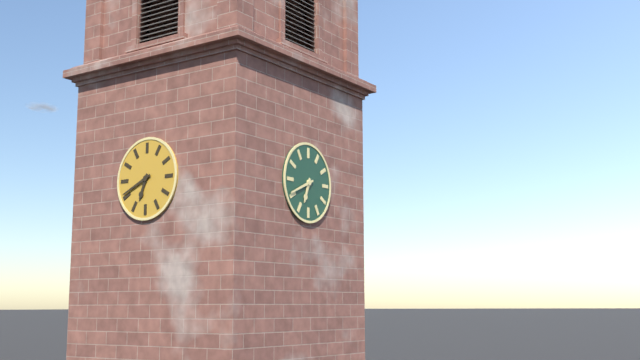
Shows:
6,41
